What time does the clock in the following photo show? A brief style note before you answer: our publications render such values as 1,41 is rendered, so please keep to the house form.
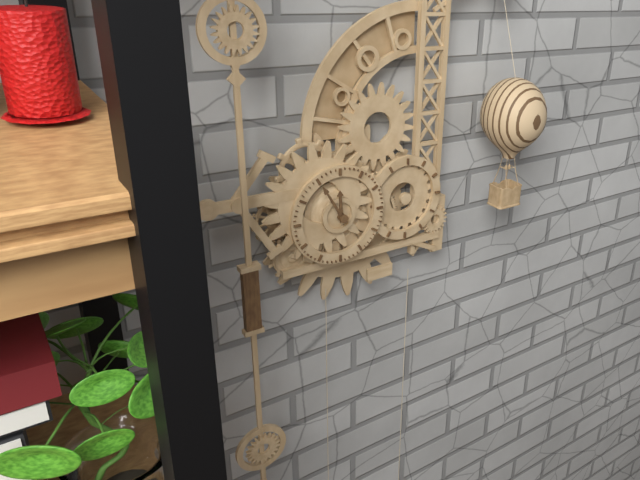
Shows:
11,55
